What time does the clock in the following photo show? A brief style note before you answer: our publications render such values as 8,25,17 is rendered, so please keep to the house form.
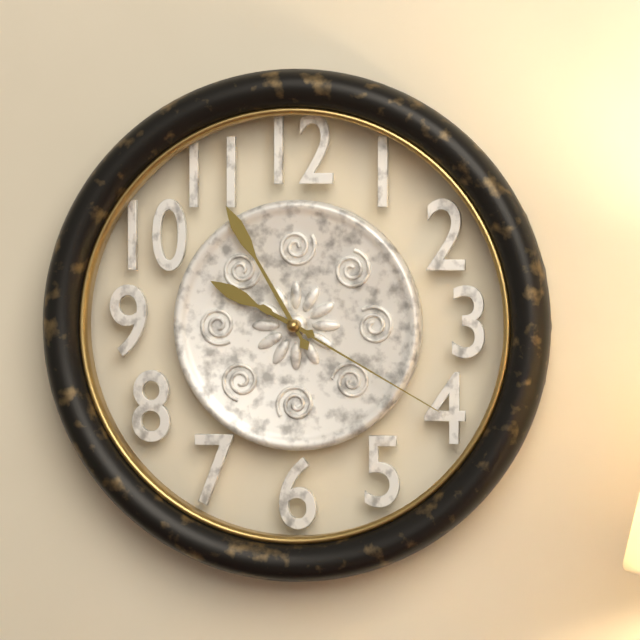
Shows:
9,55,20
